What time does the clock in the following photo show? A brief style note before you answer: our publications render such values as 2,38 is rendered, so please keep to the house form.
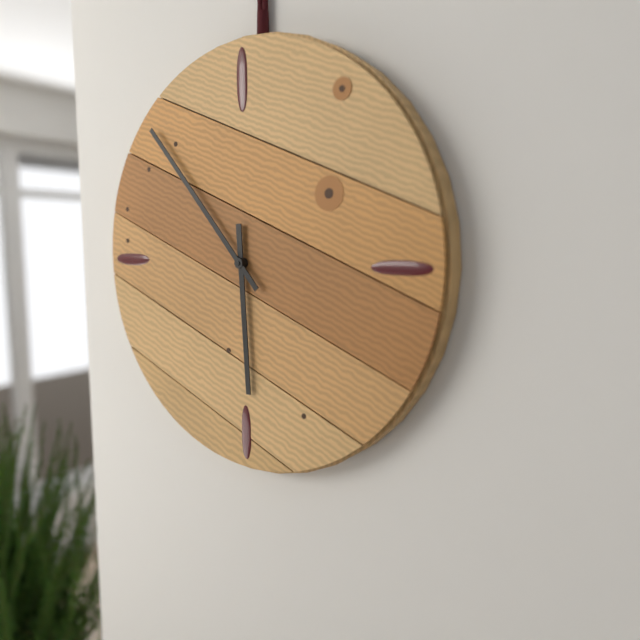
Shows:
5,53
